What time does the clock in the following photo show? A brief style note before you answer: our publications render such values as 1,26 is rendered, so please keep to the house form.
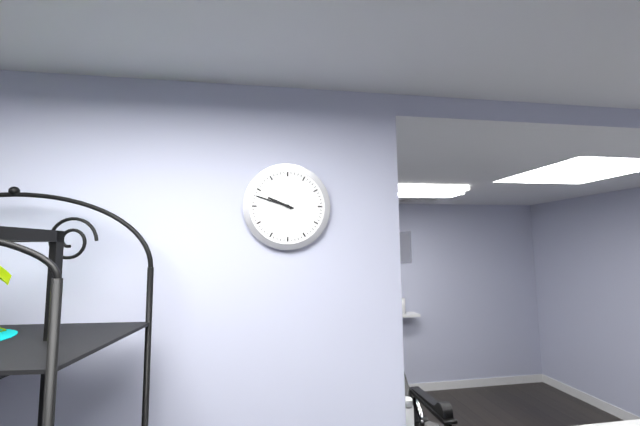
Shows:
9,48
